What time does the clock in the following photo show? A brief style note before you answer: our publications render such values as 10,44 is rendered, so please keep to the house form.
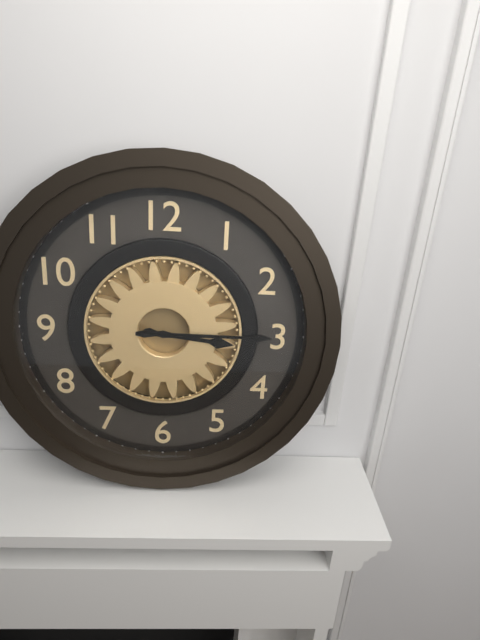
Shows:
3,15
